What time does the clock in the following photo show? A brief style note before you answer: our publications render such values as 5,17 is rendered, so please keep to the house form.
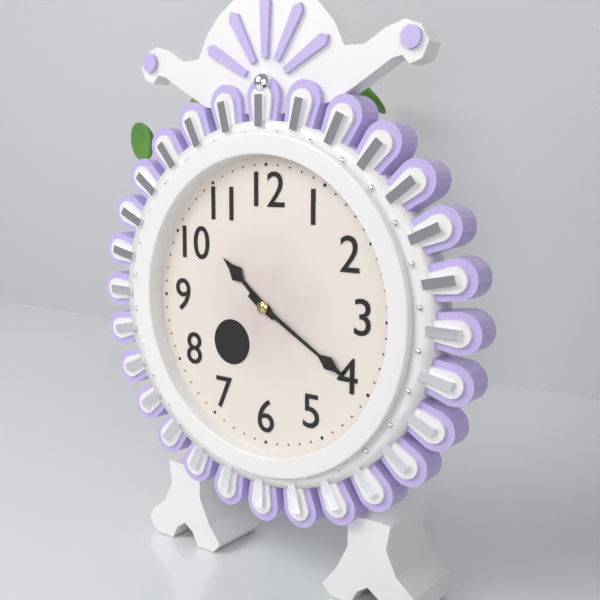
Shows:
10,20
